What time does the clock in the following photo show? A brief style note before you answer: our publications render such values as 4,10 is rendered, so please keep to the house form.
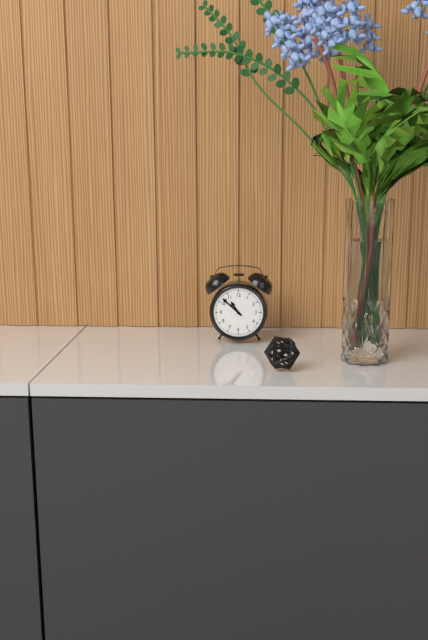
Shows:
10,52
